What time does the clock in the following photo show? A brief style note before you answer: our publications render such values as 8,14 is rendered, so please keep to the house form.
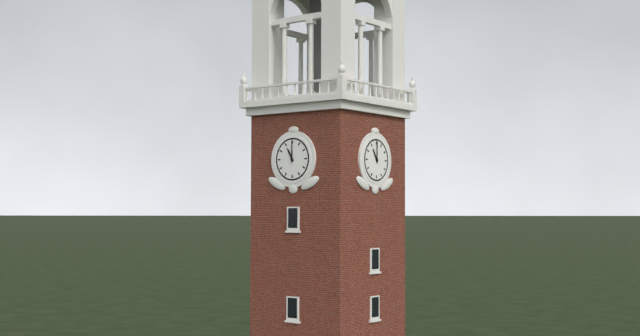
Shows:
11,00
